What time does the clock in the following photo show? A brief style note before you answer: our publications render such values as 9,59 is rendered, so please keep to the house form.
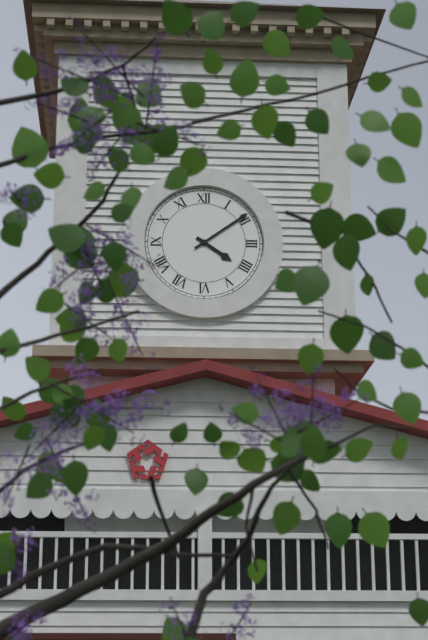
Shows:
4,09
